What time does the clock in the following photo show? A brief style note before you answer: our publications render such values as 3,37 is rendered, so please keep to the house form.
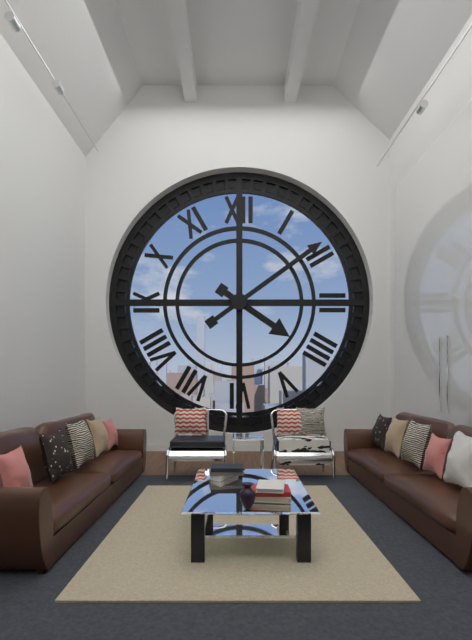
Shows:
4,09
